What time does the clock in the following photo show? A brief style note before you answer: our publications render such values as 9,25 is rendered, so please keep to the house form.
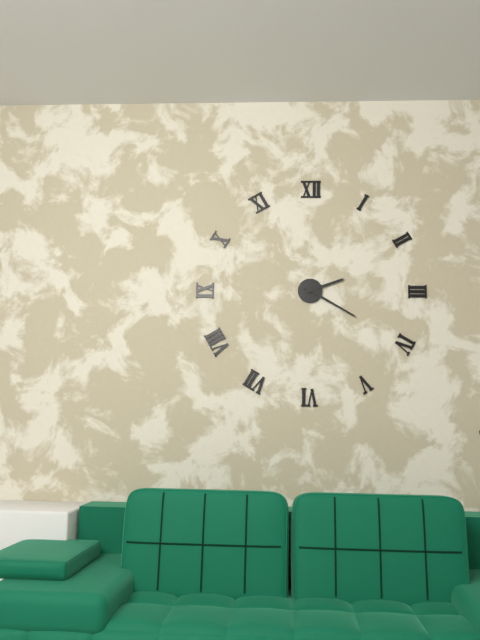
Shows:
2,20
